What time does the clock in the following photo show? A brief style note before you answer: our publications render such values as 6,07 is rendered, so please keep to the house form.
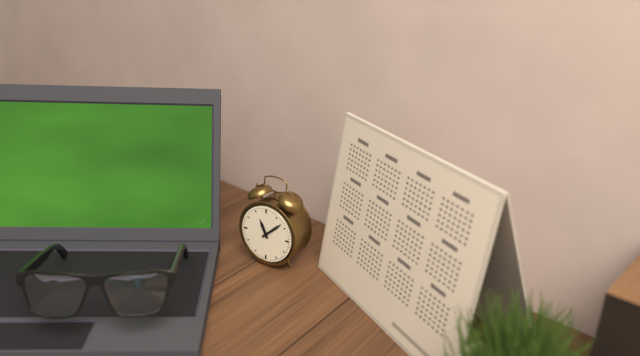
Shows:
11,08
